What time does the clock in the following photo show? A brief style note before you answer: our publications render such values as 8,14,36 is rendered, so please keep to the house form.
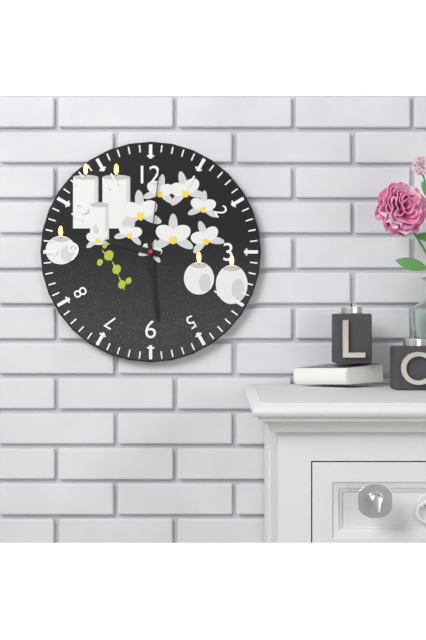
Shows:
9,29,01
